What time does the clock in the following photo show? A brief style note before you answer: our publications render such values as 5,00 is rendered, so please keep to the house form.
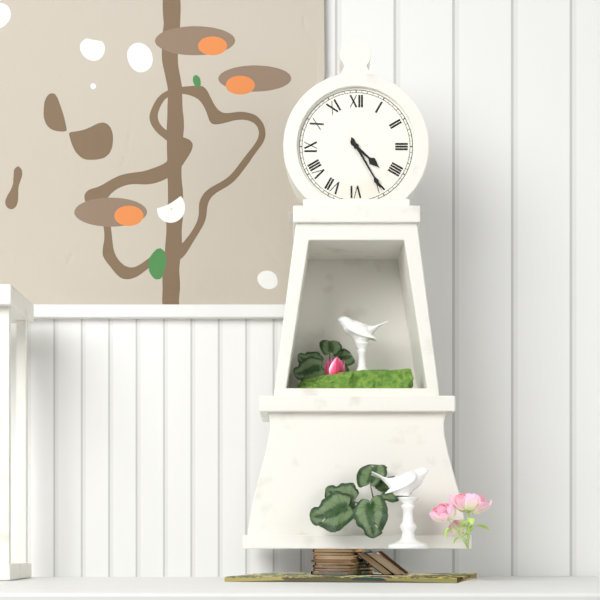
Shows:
4,25
